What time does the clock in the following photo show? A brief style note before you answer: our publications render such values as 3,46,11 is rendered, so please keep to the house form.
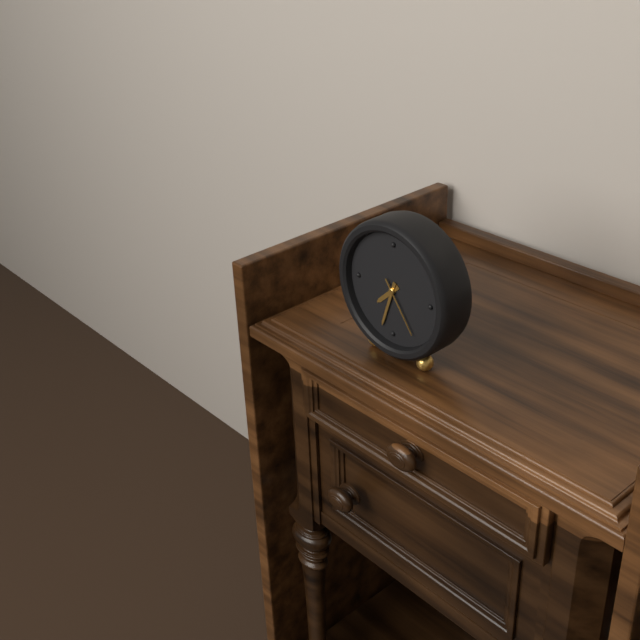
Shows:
7,33,24
